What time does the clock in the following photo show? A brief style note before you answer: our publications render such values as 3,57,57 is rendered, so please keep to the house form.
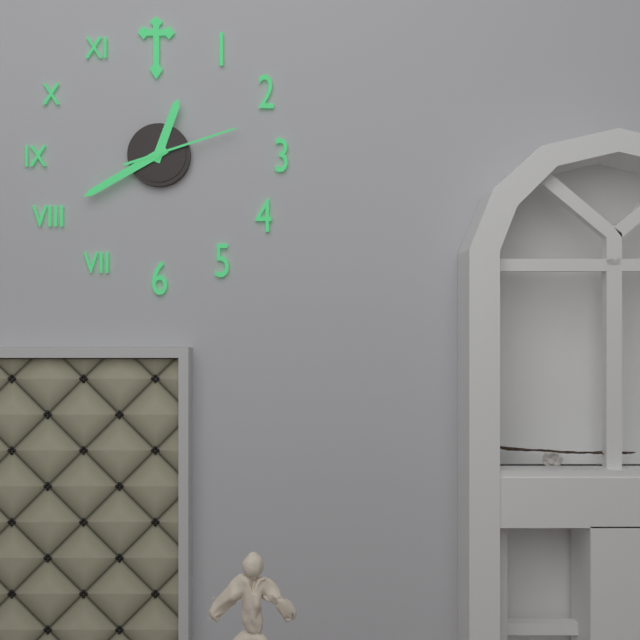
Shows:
12,40,12
